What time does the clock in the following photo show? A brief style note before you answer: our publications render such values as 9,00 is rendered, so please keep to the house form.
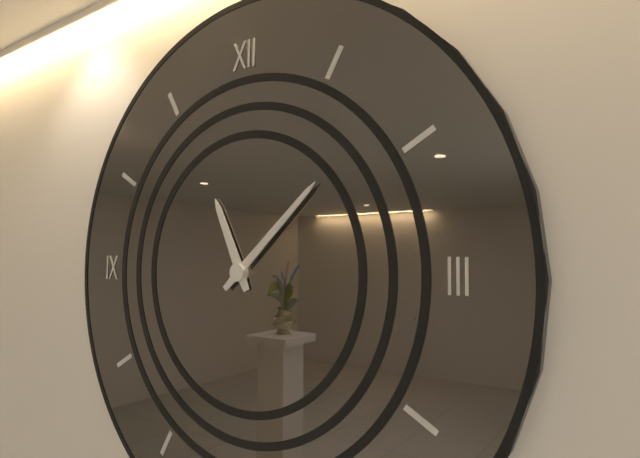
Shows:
11,08
